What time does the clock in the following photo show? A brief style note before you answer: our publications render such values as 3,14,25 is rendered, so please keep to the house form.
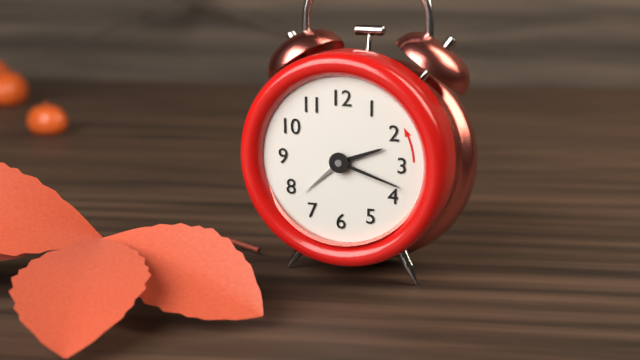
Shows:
2,18,38
